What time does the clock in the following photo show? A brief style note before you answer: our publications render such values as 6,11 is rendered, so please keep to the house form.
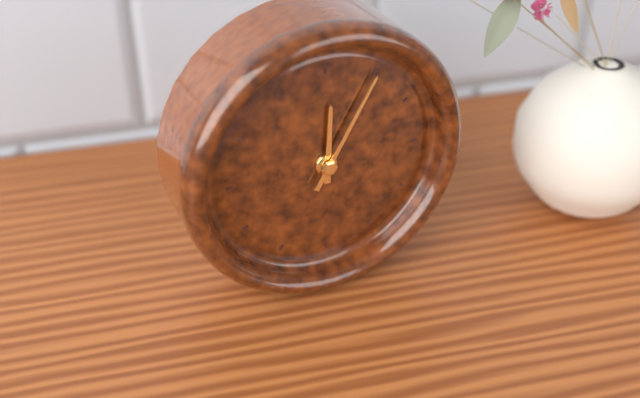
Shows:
12,05
